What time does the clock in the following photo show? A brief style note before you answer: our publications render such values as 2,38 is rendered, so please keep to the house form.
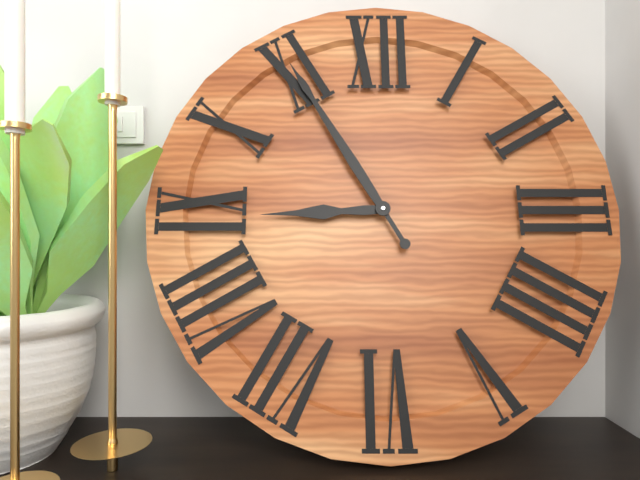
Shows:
8,55
